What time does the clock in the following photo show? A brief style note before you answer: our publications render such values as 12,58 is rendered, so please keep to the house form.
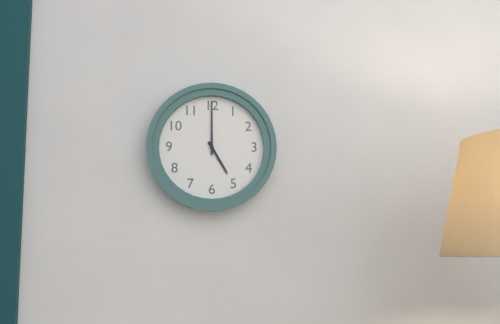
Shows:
5,00
